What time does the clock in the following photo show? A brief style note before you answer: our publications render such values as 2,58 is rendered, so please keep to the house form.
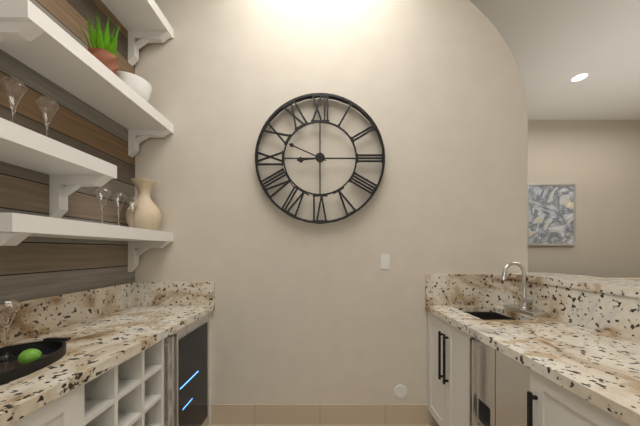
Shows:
8,49
